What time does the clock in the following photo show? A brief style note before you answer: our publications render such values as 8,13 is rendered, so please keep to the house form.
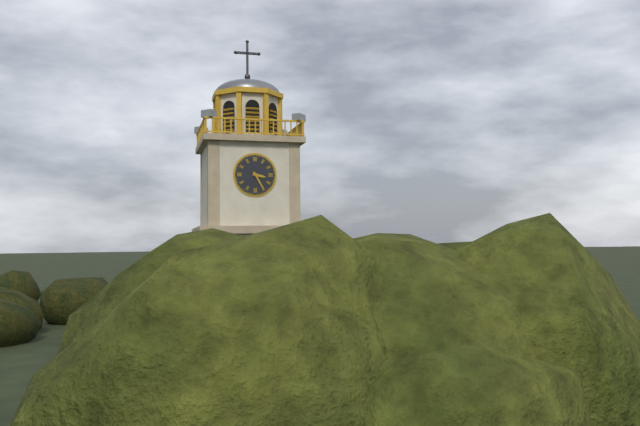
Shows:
3,25
